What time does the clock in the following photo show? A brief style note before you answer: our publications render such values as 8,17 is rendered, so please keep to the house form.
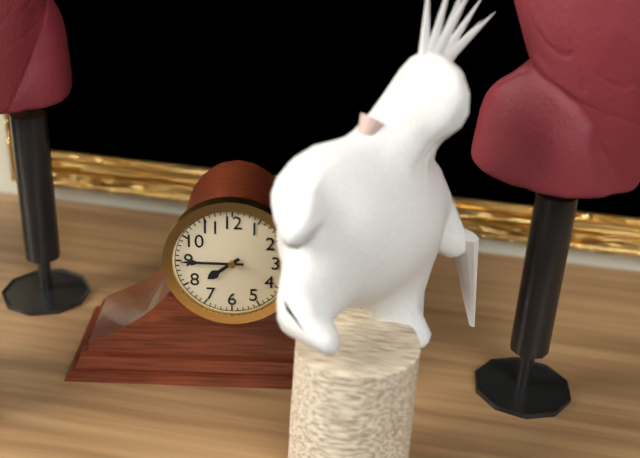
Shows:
7,45
